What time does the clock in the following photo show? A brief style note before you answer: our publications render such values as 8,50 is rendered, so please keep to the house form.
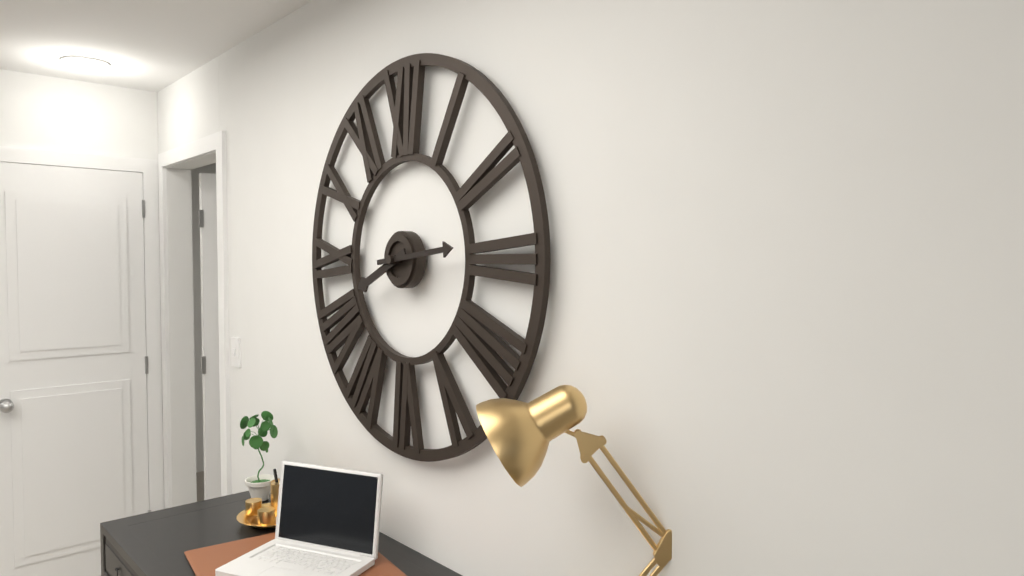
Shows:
8,14
